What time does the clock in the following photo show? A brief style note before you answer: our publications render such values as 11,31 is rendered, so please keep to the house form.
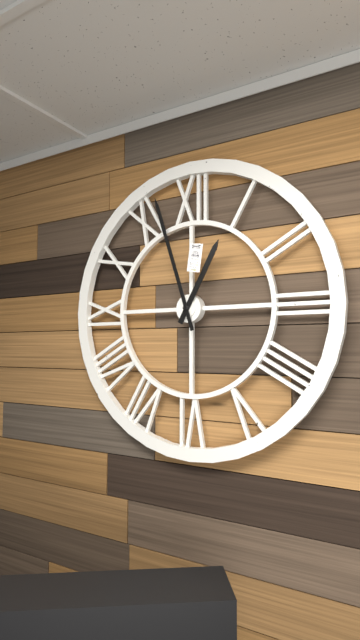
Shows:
12,57
